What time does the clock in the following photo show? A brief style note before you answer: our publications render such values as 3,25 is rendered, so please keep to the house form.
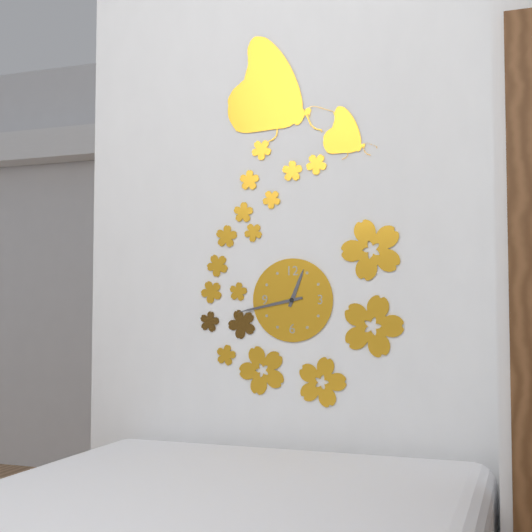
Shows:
12,43
